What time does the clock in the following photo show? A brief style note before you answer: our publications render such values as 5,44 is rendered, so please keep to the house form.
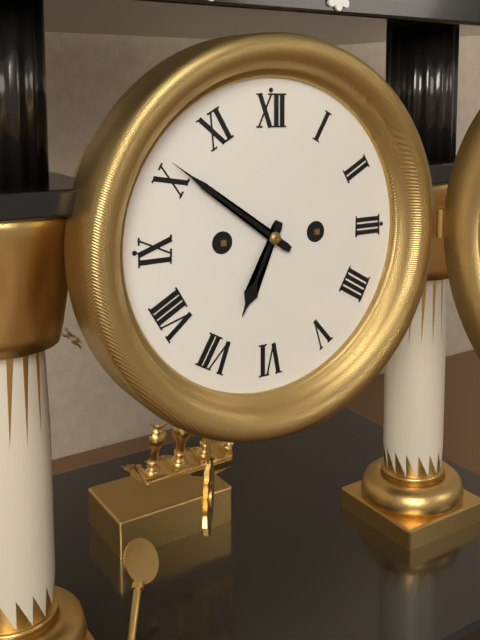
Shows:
6,51
